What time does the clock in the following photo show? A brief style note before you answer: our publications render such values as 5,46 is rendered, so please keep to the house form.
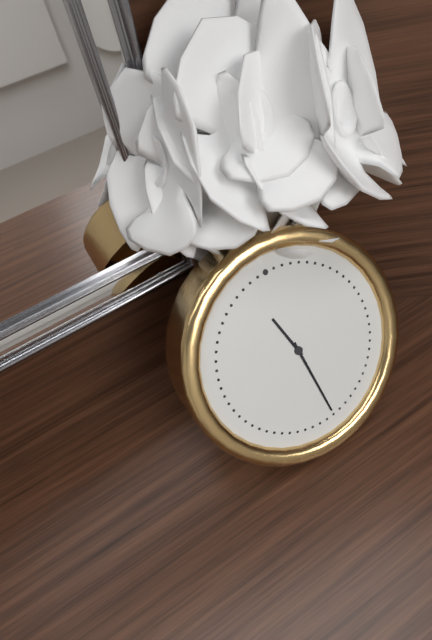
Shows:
11,29
